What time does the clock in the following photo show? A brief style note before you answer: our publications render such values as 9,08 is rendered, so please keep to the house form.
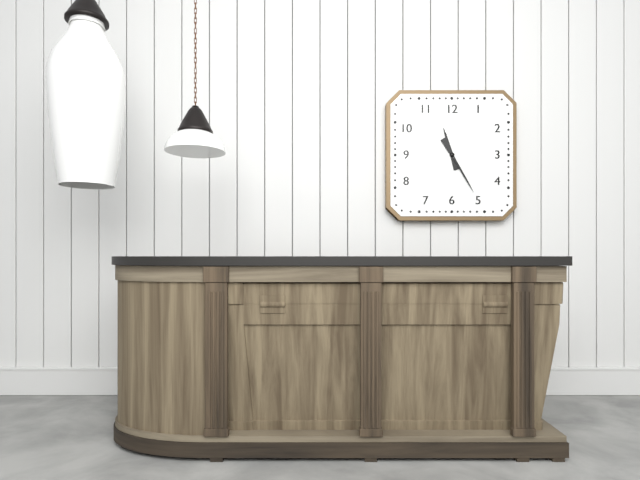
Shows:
11,25
